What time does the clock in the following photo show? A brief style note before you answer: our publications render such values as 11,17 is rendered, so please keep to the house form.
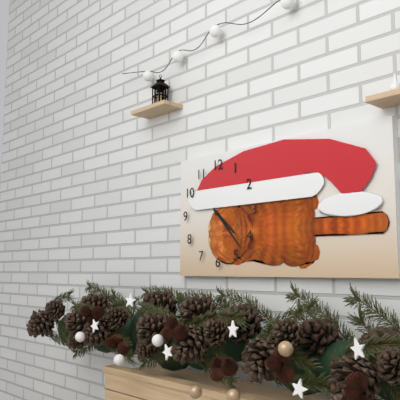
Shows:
4,23
